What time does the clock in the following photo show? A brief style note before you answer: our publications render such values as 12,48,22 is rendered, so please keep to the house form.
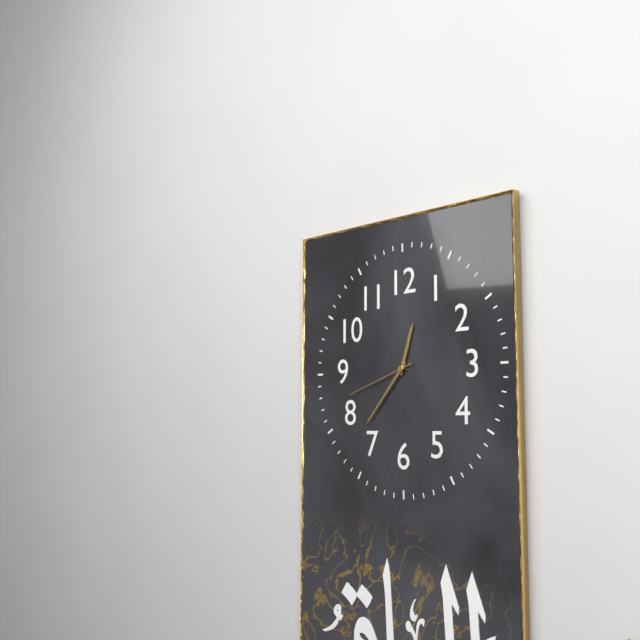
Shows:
12,37,42
